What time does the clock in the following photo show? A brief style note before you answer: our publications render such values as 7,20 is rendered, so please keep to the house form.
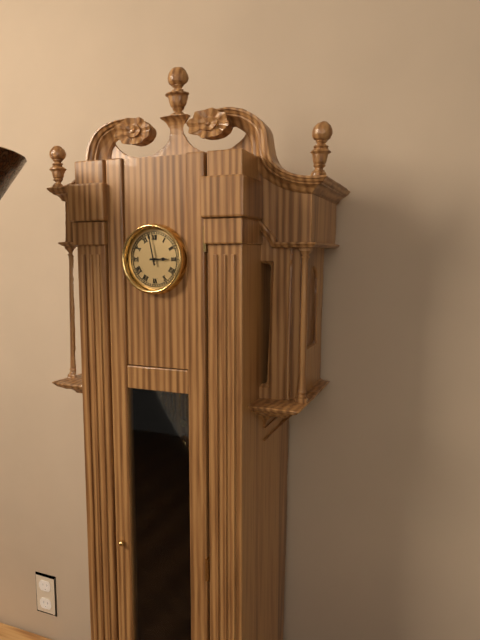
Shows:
2,58
